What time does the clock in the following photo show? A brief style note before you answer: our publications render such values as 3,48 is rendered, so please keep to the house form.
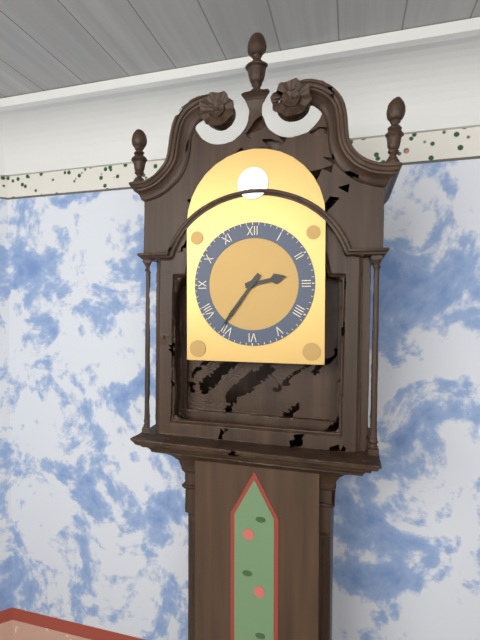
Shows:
2,36
